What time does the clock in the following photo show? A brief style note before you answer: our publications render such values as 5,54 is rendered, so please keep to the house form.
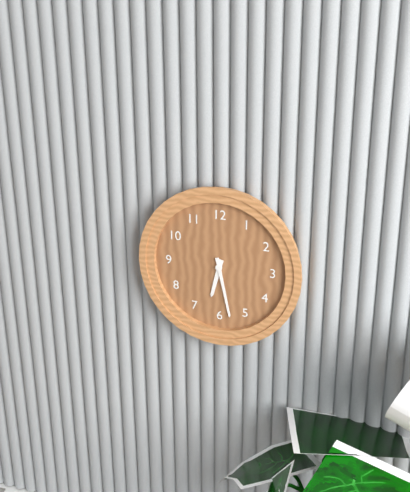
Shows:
6,28
